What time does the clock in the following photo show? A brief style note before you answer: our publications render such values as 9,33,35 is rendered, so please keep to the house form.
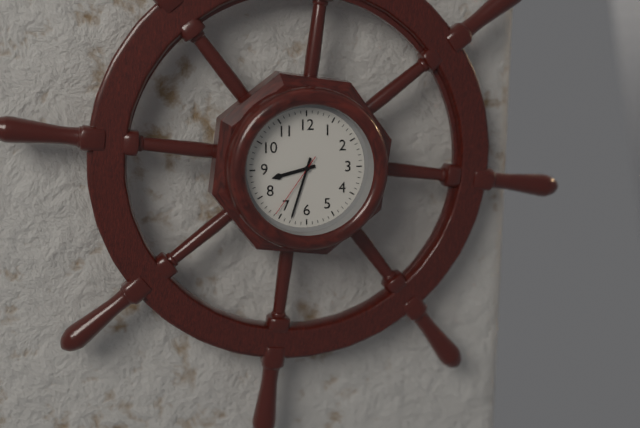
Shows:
8,33,36
